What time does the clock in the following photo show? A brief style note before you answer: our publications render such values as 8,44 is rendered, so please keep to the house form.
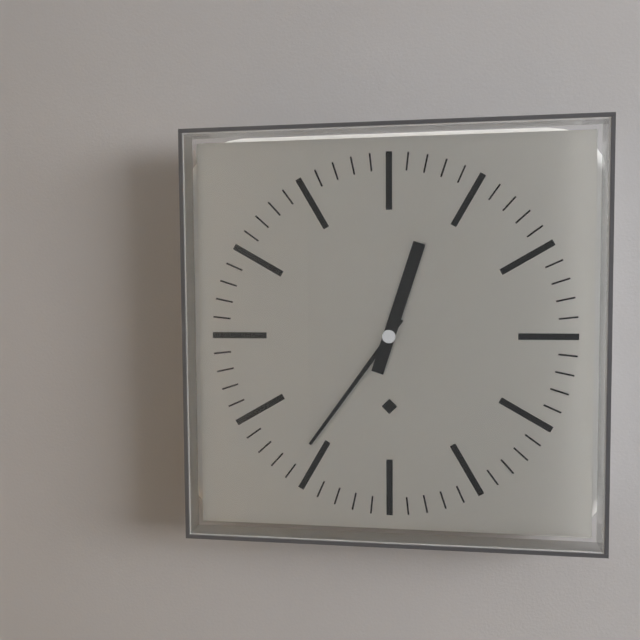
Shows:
12,36
